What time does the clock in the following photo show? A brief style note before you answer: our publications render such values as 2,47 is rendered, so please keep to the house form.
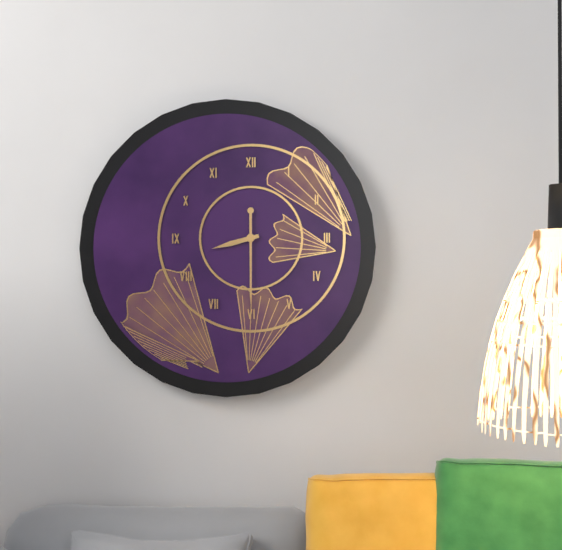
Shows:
8,30
